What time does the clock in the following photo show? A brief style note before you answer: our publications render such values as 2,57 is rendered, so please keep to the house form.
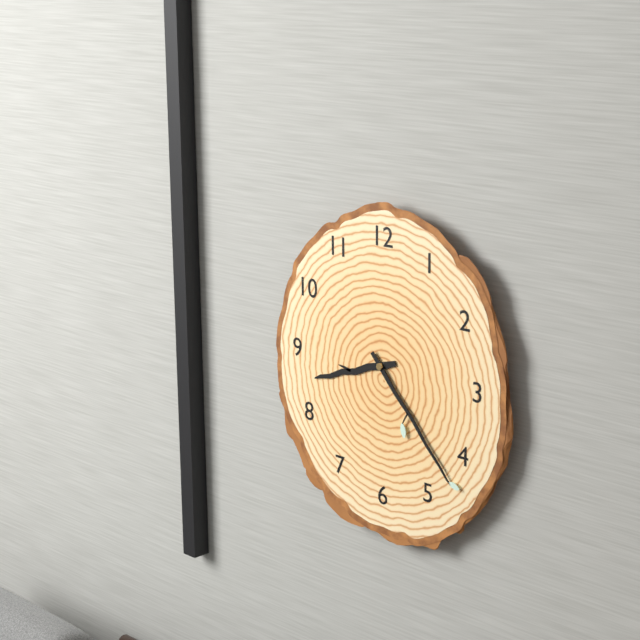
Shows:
8,23
